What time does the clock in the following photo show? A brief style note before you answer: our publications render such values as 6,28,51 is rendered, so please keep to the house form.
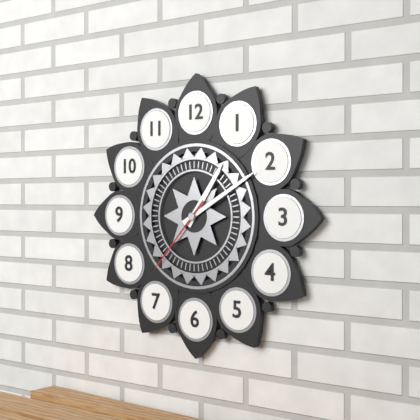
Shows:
1,10,37
